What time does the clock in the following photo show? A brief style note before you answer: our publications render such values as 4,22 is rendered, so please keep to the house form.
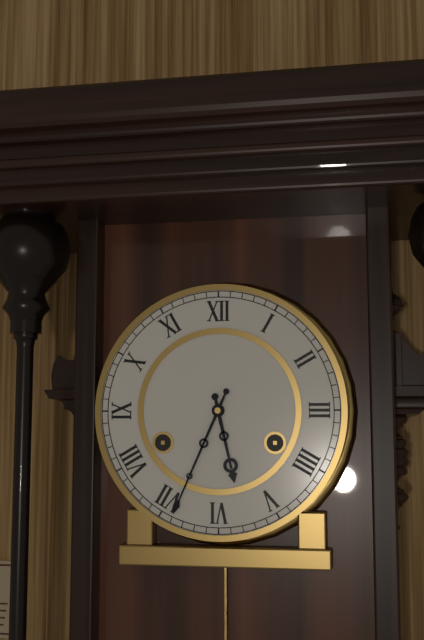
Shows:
5,34
